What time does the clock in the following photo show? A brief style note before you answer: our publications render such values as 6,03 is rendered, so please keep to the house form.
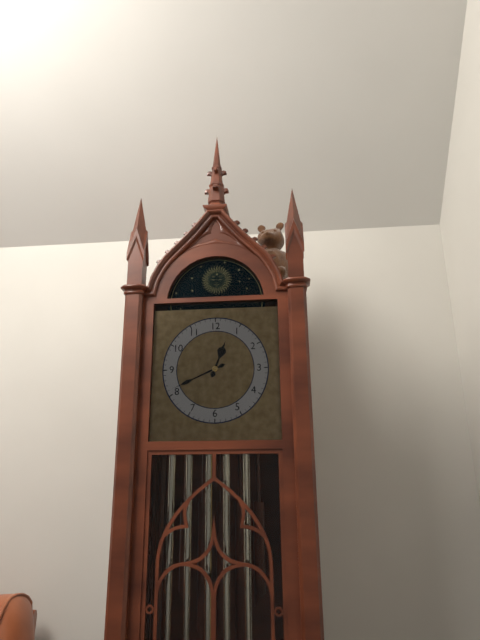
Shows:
12,41
